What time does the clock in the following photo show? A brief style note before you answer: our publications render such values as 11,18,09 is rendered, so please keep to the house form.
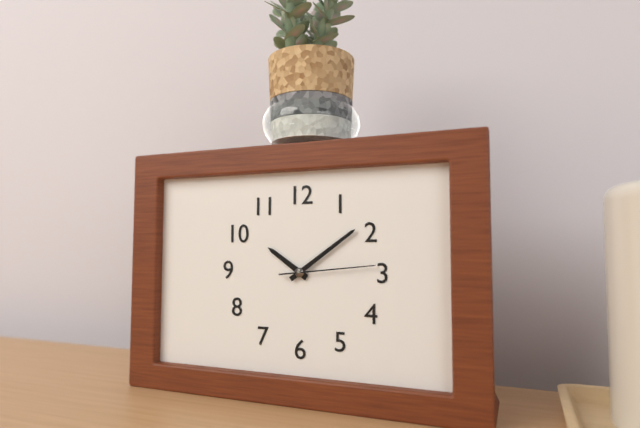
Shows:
10,09,14
